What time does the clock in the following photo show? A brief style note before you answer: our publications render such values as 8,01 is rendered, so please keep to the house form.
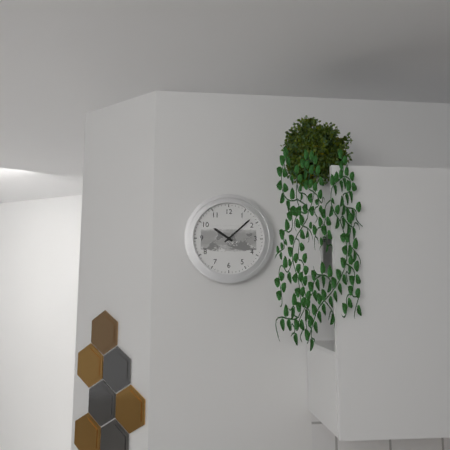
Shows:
10,08
